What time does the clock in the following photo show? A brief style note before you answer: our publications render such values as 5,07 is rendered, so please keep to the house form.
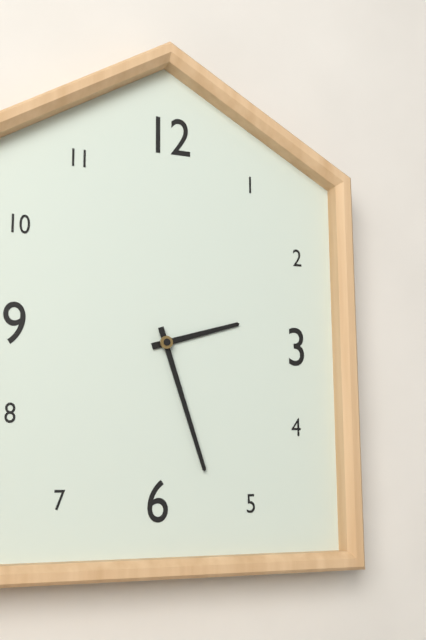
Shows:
2,27
